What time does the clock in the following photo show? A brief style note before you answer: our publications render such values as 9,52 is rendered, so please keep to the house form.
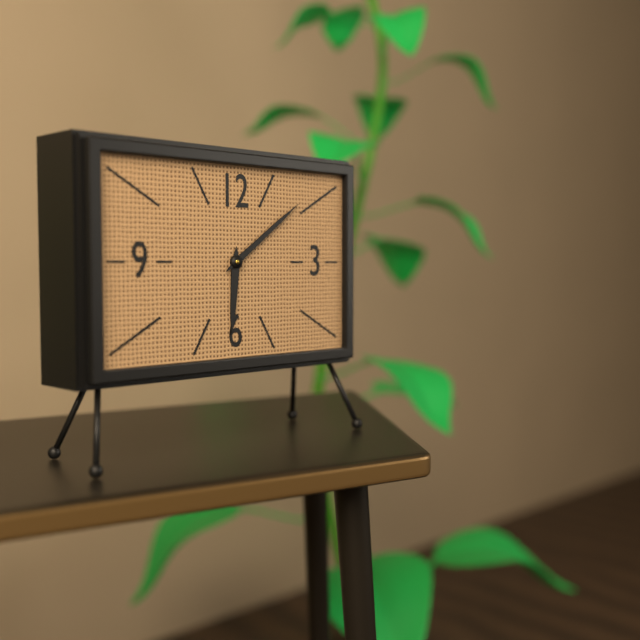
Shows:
6,09
